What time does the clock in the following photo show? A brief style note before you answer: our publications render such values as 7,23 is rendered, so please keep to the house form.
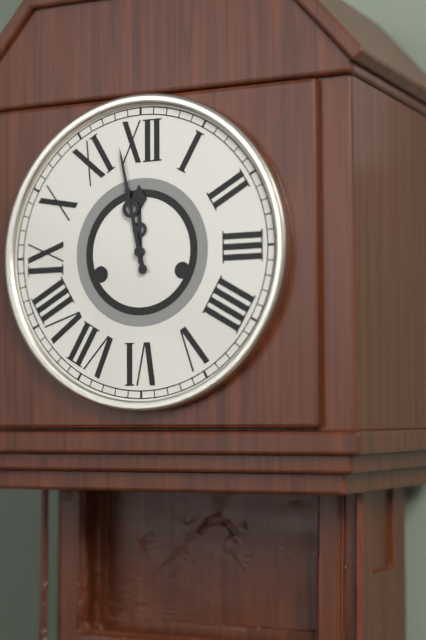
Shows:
11,58
